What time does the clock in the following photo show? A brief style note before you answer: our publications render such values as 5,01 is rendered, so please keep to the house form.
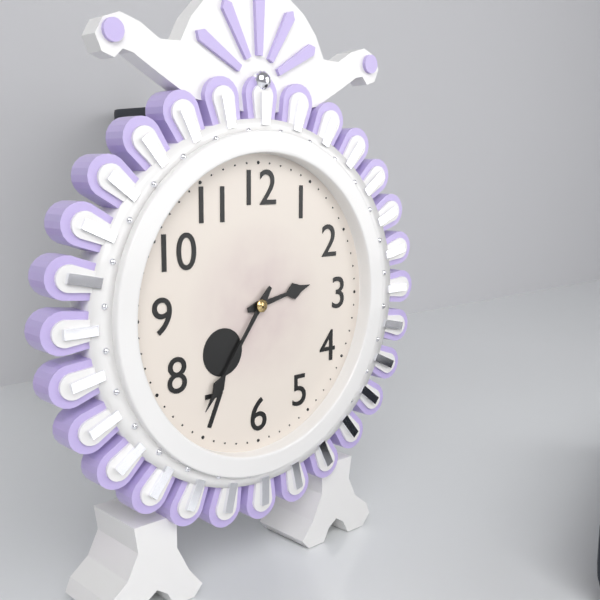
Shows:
2,36
